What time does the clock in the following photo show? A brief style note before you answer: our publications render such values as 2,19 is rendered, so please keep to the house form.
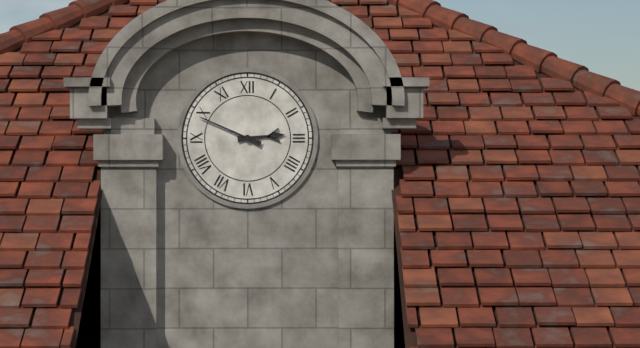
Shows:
2,49
